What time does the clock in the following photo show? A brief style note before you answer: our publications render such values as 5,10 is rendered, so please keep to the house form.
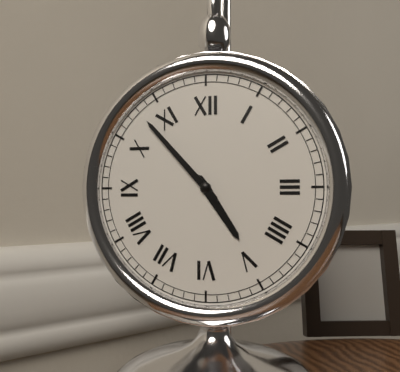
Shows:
4,53
